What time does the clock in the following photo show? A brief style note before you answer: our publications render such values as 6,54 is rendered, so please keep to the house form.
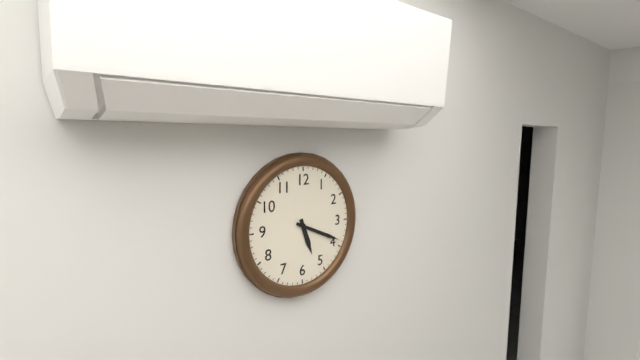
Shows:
5,19
